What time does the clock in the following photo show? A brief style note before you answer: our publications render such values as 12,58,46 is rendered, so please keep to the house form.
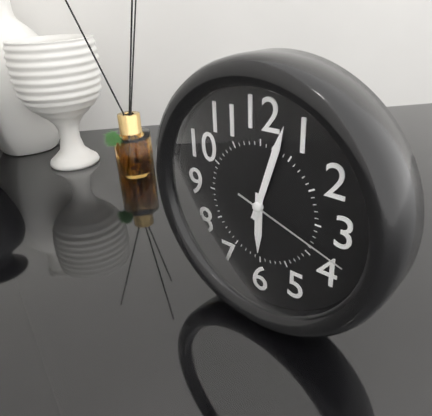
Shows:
6,03,18
